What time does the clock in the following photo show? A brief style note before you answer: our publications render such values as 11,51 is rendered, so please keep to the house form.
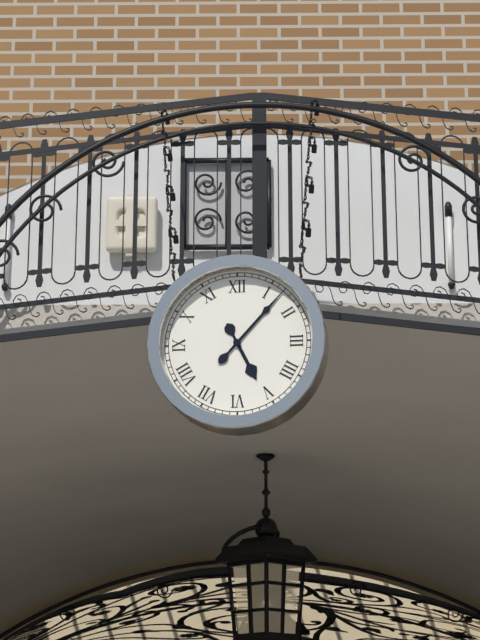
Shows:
5,07
